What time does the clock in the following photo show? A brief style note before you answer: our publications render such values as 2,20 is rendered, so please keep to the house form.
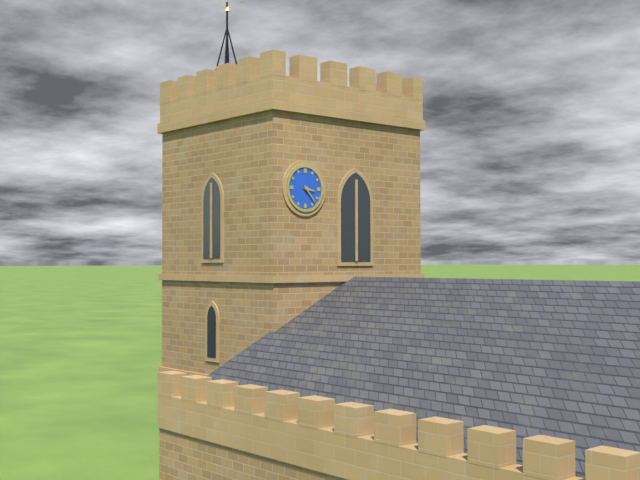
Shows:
3,23
